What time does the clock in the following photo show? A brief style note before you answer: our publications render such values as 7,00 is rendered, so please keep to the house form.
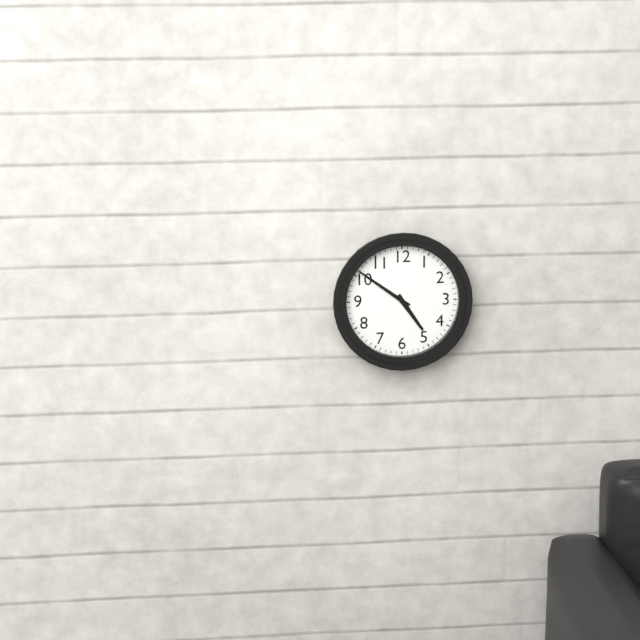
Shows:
4,51
